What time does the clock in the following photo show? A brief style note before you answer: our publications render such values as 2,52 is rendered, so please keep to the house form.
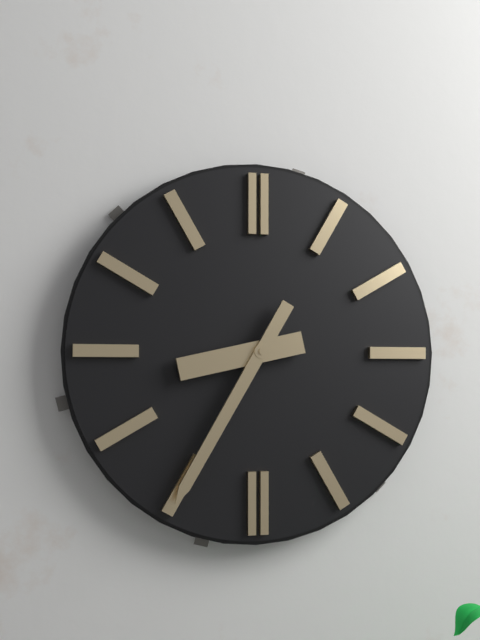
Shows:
8,35
